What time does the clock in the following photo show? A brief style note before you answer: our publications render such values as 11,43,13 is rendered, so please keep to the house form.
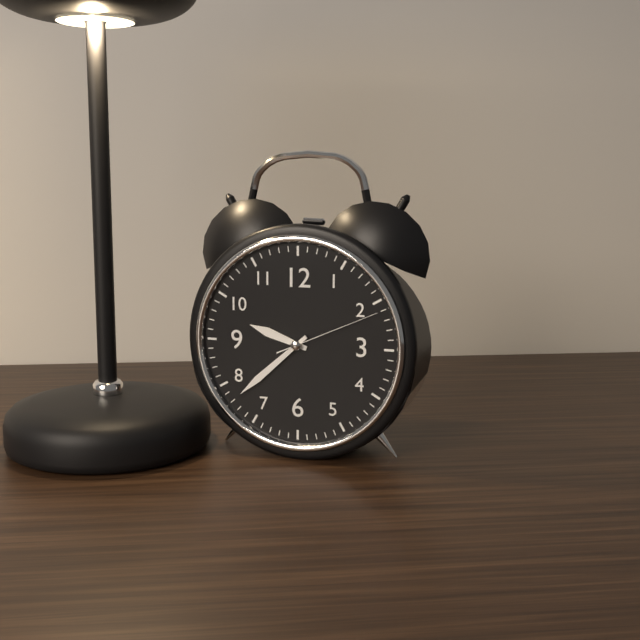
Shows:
9,38,11
